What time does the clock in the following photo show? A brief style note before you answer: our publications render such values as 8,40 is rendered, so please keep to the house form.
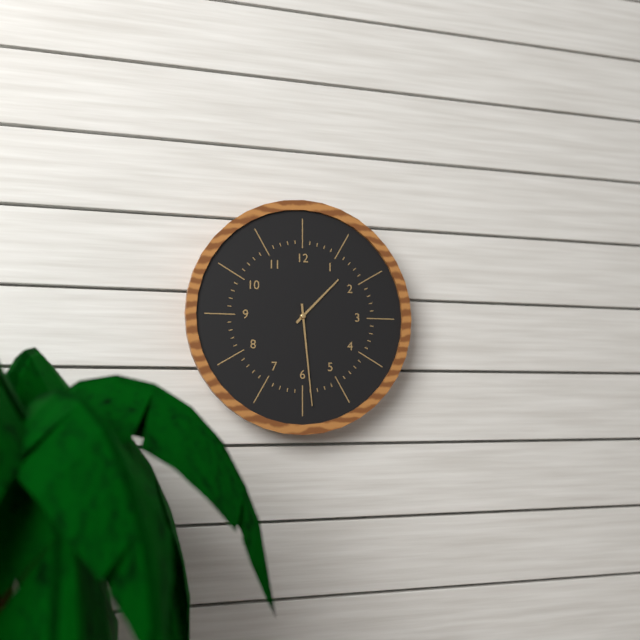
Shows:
1,29
